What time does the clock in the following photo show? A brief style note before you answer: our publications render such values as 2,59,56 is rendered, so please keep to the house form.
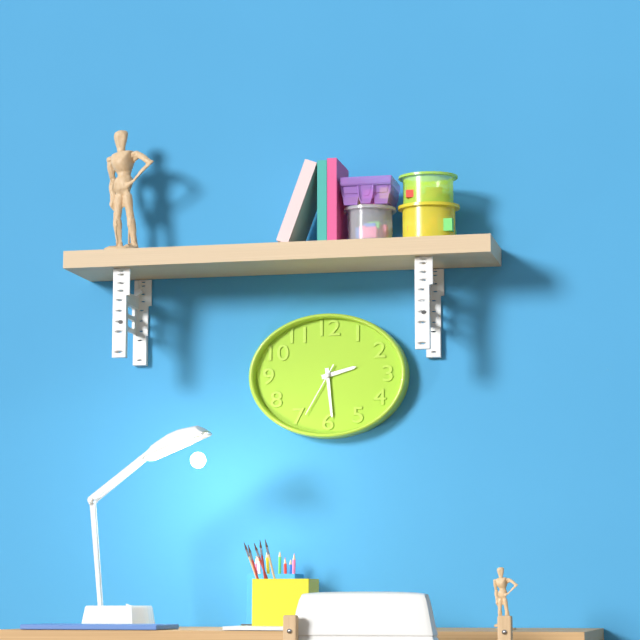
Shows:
2,29,35
